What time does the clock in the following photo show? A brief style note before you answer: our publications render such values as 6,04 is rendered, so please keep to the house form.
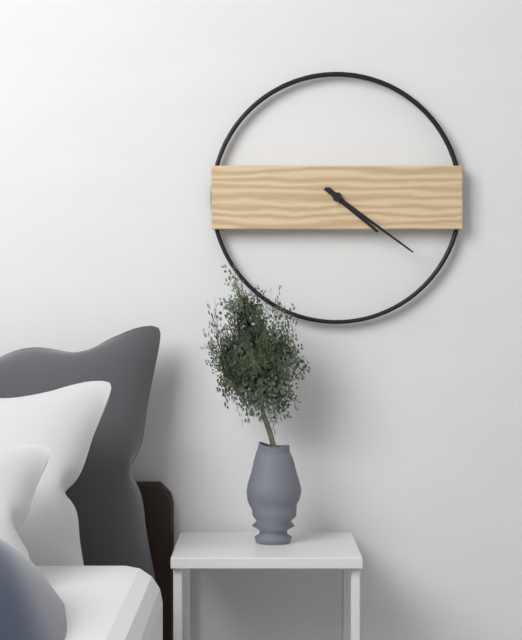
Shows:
4,21
